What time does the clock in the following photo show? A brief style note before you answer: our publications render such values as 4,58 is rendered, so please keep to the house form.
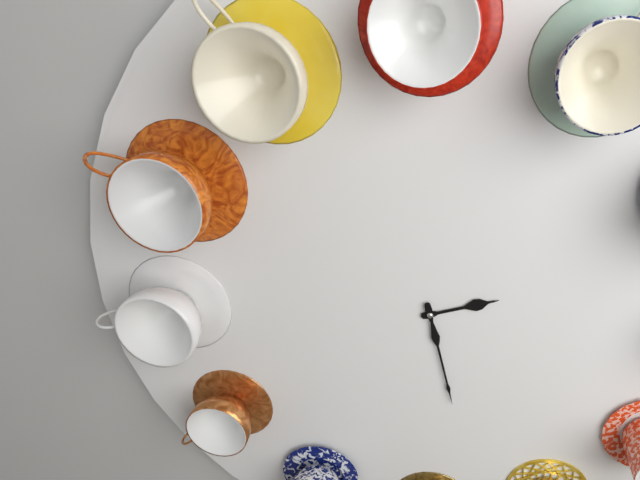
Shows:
2,28
